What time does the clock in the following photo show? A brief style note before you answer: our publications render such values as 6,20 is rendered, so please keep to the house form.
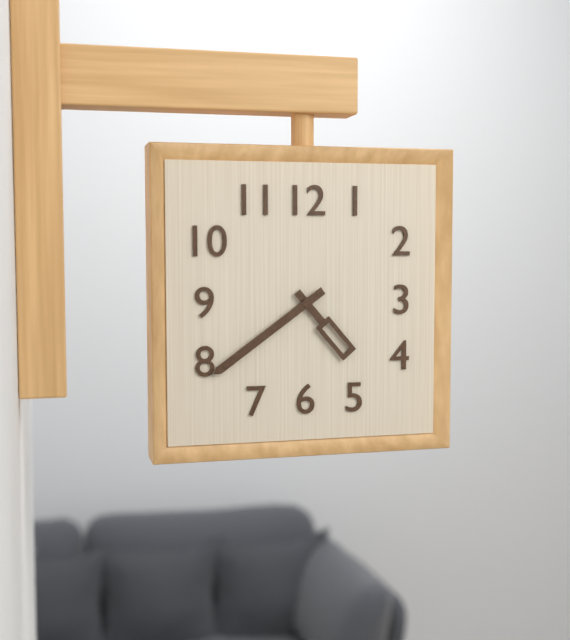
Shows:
4,39
